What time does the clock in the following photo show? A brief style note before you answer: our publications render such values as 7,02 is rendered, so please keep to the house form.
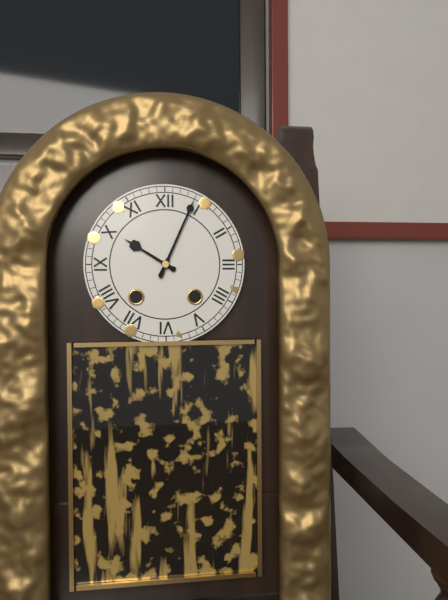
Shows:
10,04
